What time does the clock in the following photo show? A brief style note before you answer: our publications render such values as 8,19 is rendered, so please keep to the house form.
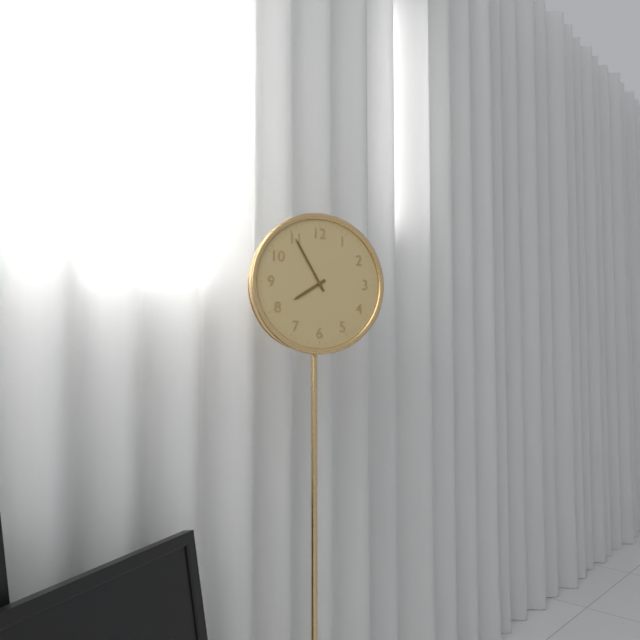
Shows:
7,55
